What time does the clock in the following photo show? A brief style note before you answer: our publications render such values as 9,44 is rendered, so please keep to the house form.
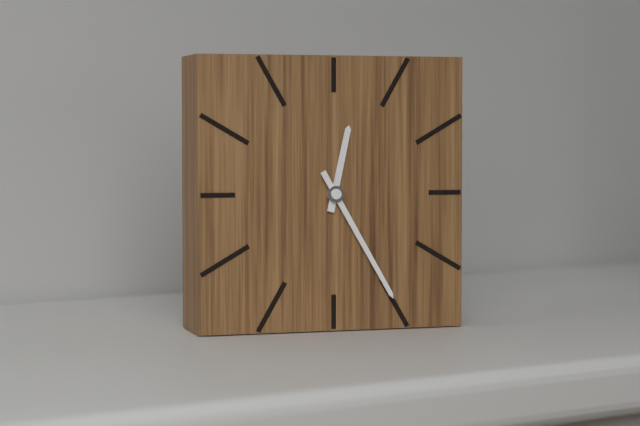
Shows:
12,25
